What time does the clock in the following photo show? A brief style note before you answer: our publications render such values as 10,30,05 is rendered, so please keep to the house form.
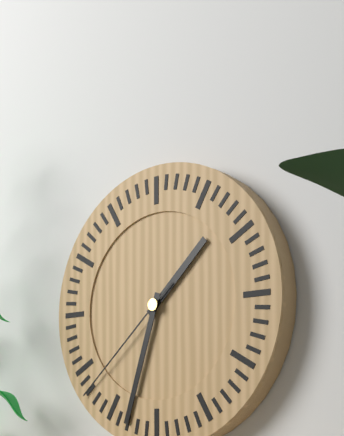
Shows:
1,33,38
